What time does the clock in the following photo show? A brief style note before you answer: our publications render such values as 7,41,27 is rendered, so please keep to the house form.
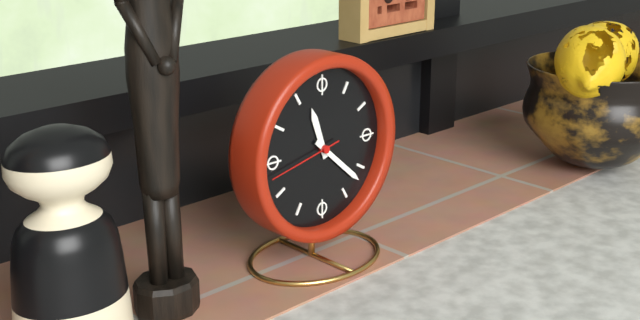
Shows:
11,22,43
